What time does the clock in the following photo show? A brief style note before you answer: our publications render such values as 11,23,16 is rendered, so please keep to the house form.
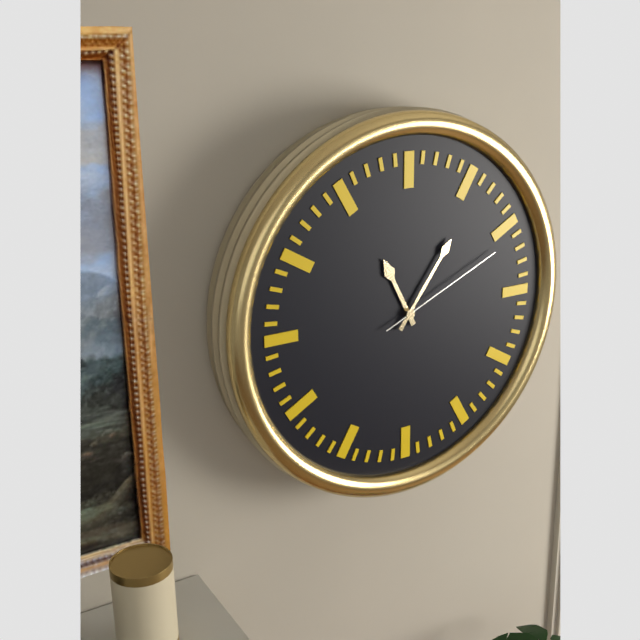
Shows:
11,06,11
